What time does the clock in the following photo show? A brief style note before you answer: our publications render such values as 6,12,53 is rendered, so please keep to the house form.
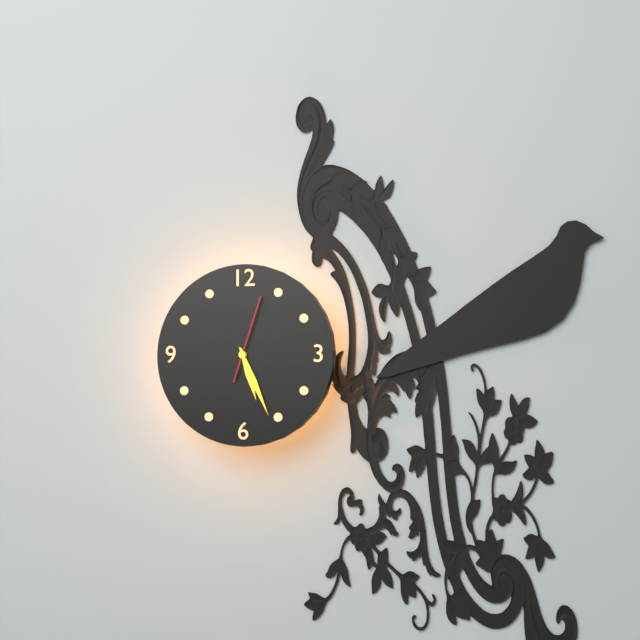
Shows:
5,26,03
